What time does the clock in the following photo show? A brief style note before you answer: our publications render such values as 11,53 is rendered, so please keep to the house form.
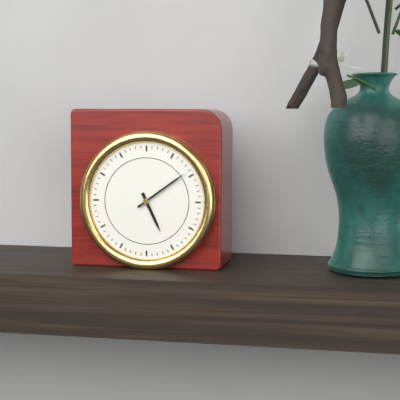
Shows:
5,09
